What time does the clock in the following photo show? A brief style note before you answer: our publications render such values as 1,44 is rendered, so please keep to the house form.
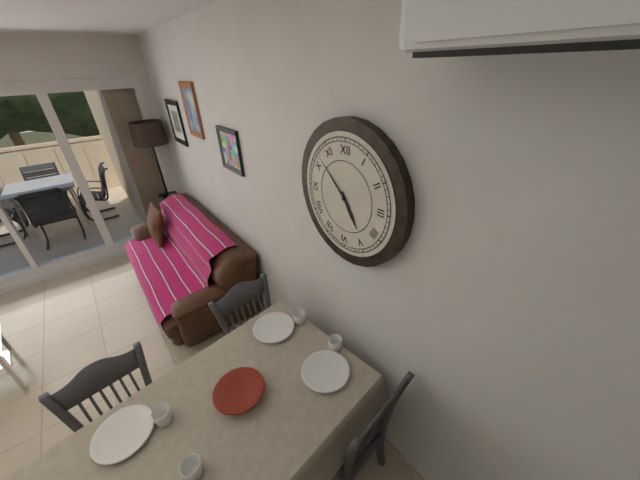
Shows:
4,52
